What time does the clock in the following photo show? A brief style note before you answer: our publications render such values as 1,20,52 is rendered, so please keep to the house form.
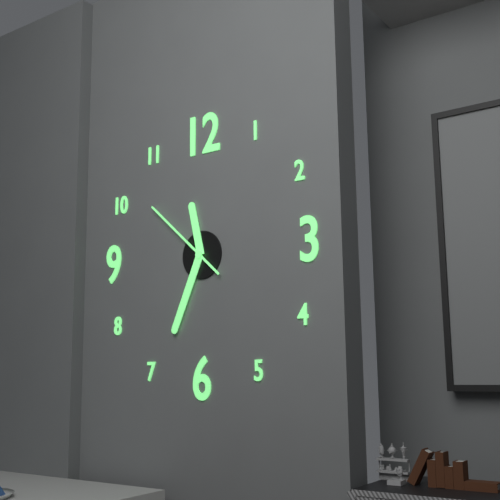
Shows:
11,34,52
